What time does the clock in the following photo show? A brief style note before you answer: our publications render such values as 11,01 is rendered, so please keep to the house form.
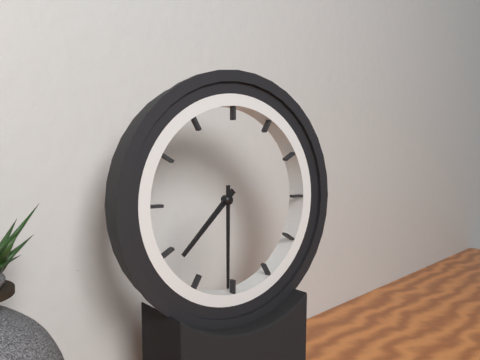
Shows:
7,30
